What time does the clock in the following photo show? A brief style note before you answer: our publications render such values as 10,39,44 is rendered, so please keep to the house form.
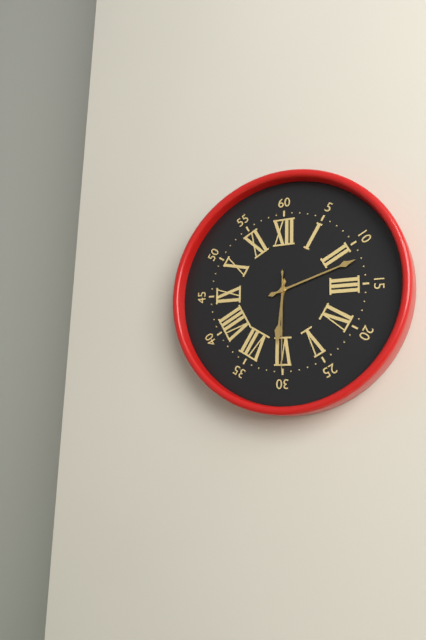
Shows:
6,12,30
